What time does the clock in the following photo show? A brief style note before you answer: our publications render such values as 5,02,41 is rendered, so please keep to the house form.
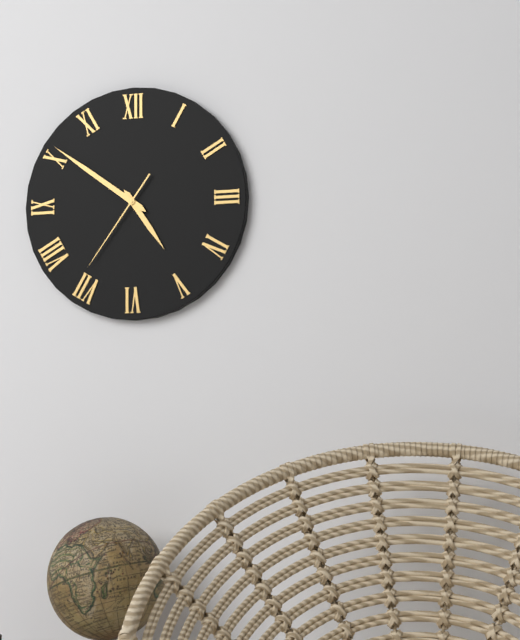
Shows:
4,51,36
